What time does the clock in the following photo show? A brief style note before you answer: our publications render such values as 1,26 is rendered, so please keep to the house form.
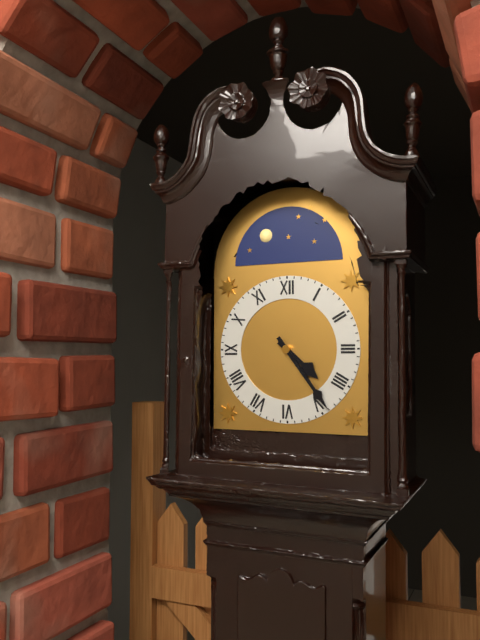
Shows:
4,24
